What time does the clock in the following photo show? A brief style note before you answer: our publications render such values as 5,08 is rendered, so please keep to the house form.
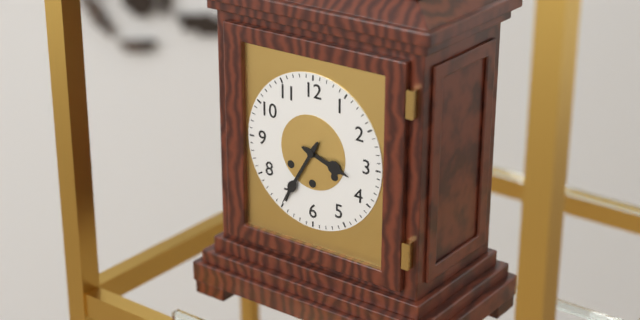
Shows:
3,35
